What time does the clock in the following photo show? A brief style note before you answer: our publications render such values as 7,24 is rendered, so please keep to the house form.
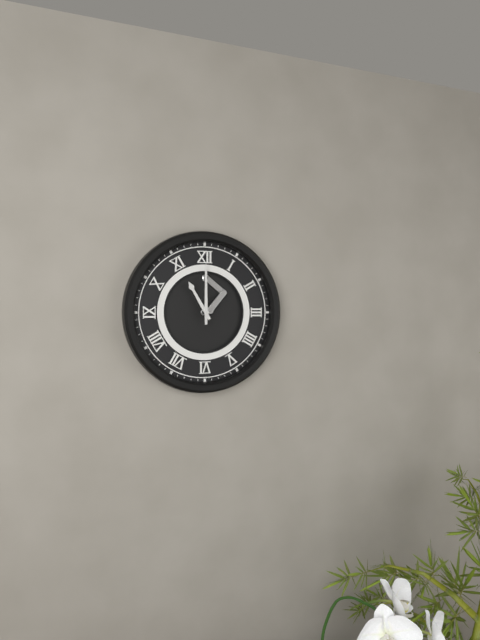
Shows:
11,00
